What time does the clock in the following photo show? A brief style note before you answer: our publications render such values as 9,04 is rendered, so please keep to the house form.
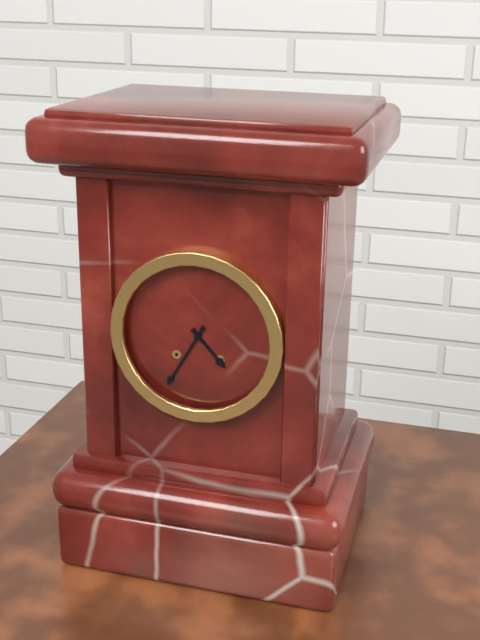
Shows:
4,35
